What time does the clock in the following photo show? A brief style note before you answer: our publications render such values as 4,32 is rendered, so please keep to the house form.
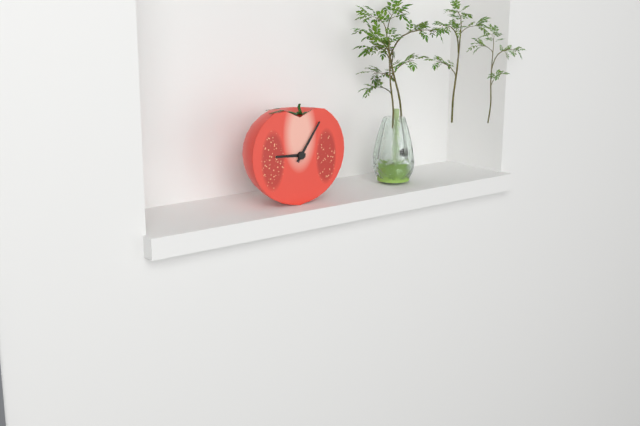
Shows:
9,06
